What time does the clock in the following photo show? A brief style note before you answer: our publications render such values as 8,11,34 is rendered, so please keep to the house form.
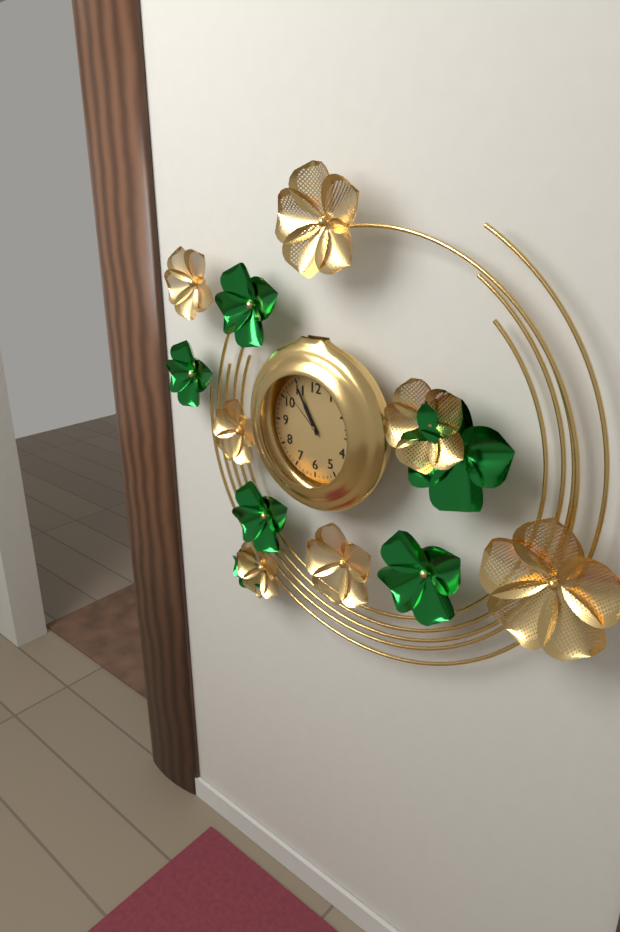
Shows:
10,55,52
